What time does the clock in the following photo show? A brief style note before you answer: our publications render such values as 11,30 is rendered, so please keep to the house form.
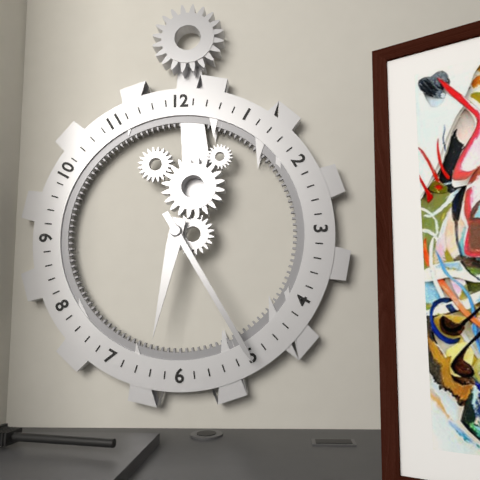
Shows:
6,25
